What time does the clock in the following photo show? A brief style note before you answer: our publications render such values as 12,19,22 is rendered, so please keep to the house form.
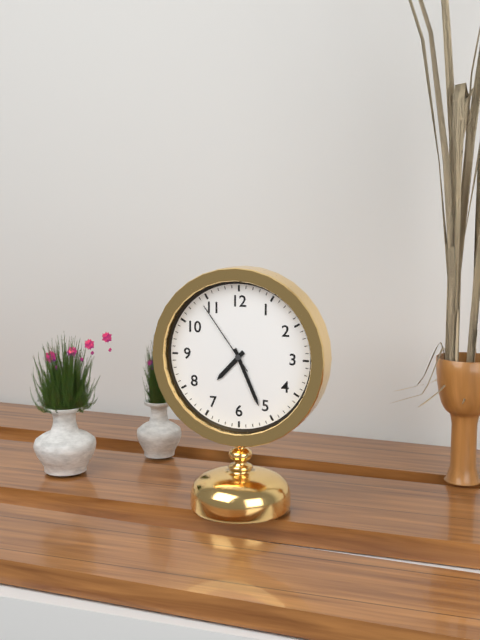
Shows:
7,26,54
